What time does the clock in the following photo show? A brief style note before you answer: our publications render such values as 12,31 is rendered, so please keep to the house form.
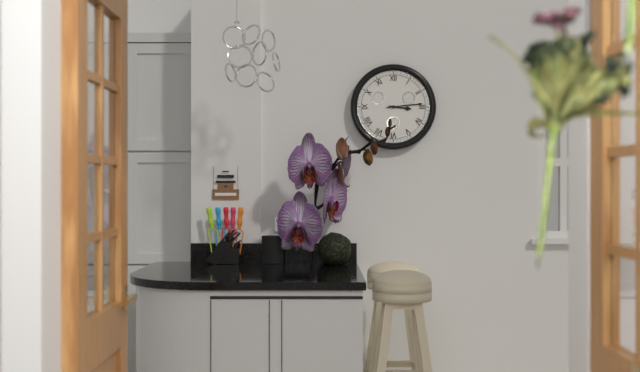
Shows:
3,14
